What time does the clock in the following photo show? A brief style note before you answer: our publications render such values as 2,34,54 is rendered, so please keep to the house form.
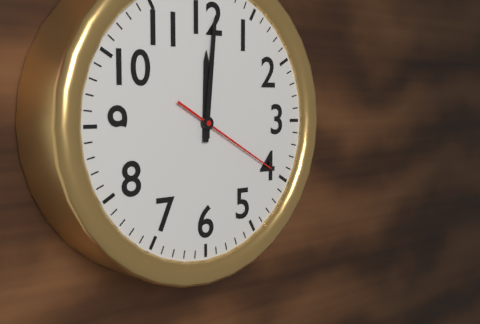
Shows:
12,01,20
